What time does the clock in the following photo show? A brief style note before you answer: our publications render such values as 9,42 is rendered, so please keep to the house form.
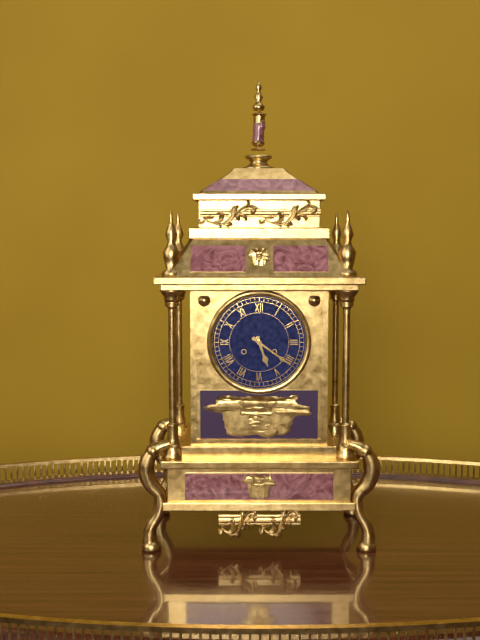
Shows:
5,21
